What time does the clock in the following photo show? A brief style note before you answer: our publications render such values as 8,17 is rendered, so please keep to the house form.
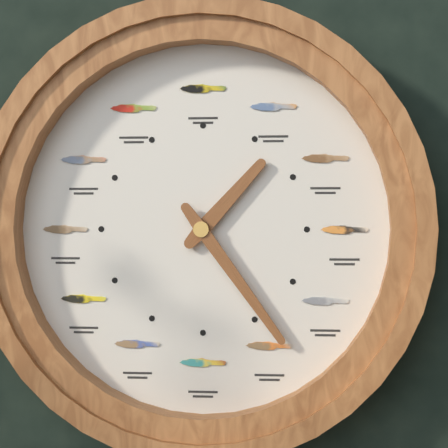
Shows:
1,24
